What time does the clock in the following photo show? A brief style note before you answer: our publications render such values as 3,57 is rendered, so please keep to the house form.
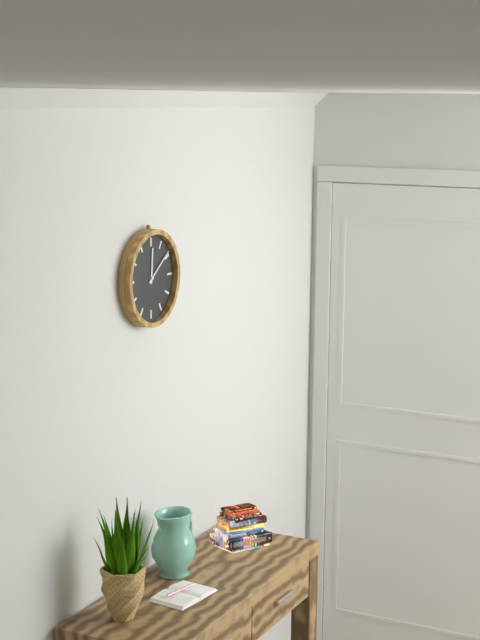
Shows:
12,09
